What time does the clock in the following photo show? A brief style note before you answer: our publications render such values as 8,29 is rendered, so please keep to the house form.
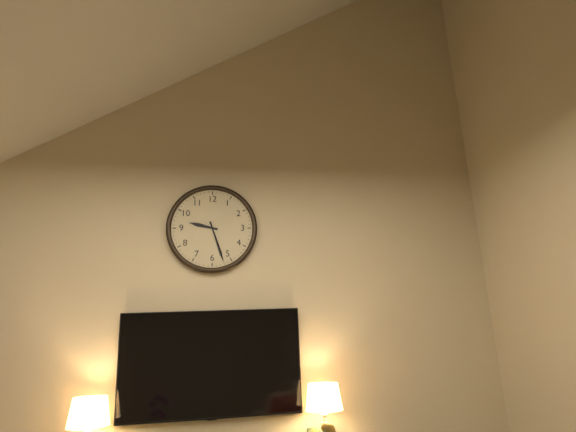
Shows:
9,27
